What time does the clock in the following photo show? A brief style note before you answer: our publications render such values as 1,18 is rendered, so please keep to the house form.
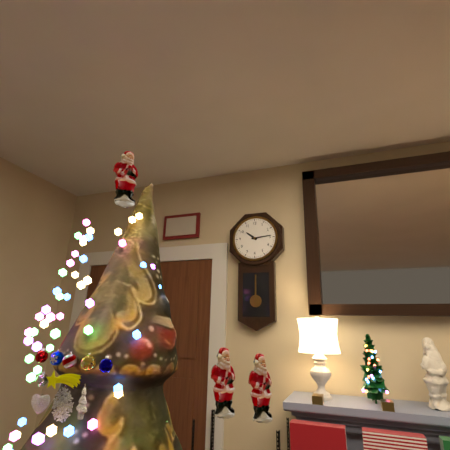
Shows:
10,14
